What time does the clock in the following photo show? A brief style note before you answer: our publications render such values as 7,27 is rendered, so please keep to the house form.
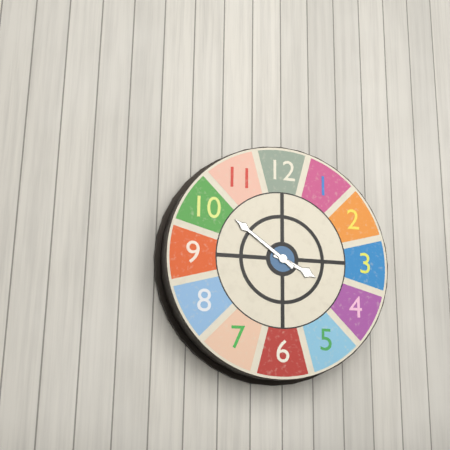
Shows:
3,51
